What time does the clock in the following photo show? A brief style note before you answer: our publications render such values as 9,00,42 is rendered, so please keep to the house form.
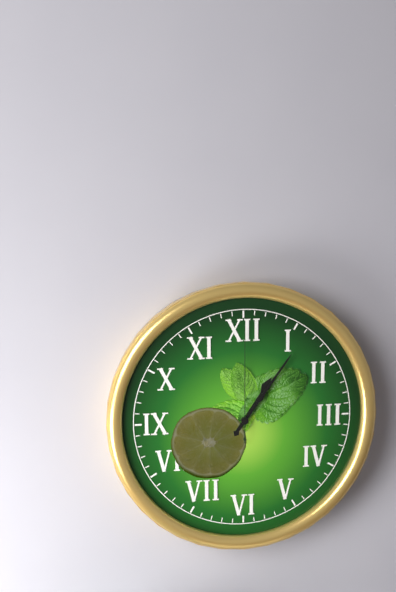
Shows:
1,06,00
